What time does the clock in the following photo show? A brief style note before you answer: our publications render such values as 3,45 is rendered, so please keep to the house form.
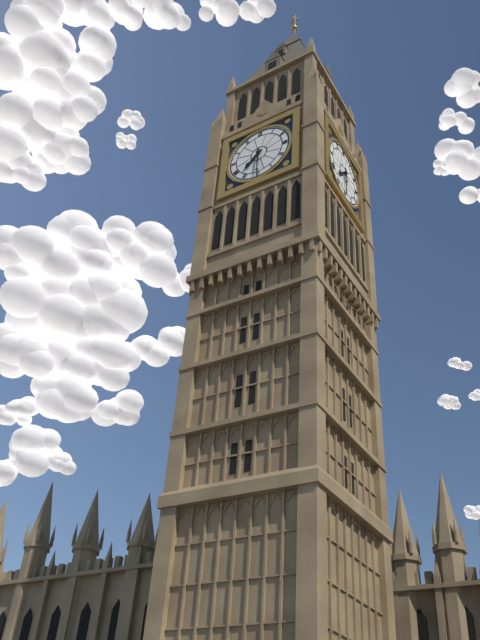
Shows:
7,30
